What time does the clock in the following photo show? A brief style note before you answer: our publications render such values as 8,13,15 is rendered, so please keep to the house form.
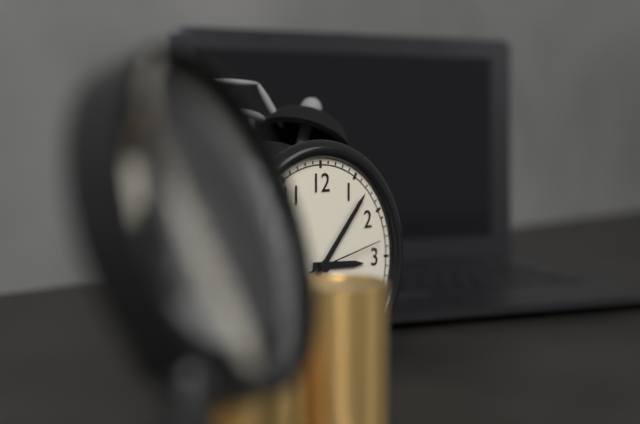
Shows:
3,07,13
